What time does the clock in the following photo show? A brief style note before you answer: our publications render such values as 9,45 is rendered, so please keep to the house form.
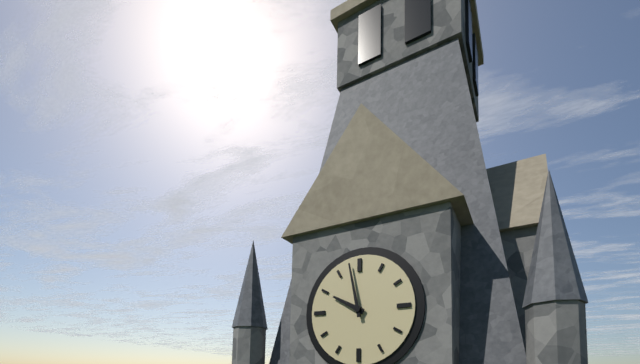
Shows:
9,58
